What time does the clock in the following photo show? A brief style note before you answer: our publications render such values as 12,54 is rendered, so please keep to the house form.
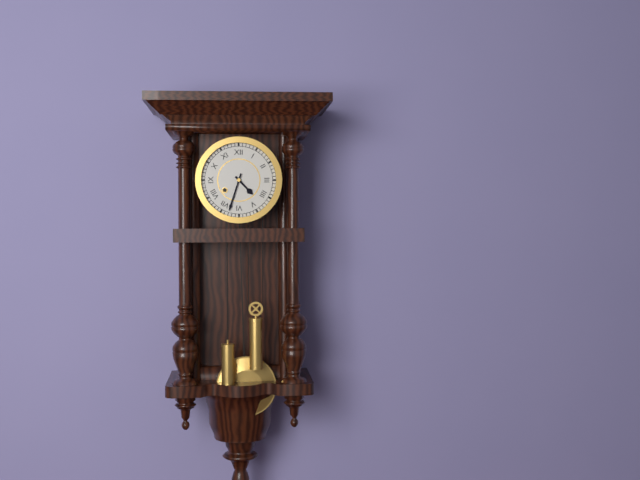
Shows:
4,33
